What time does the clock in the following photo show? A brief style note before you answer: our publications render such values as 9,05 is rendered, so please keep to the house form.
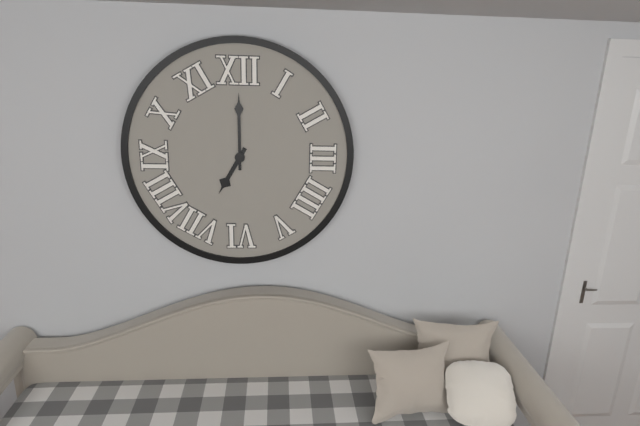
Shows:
7,00
